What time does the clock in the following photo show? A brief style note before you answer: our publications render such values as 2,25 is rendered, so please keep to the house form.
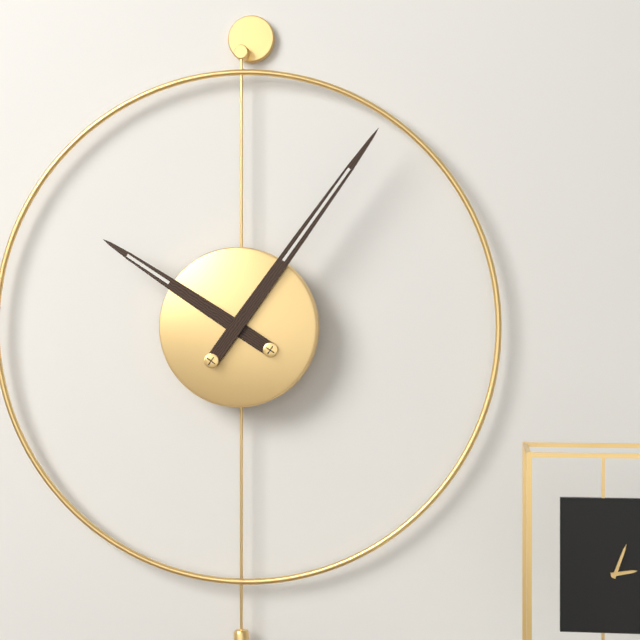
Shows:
10,06
